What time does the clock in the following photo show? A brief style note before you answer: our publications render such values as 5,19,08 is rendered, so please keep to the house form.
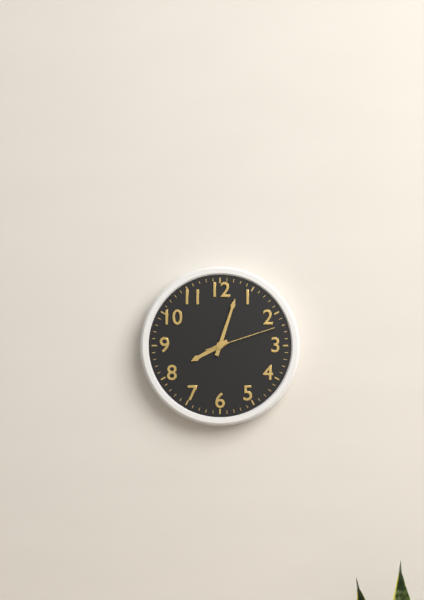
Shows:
8,03,12
